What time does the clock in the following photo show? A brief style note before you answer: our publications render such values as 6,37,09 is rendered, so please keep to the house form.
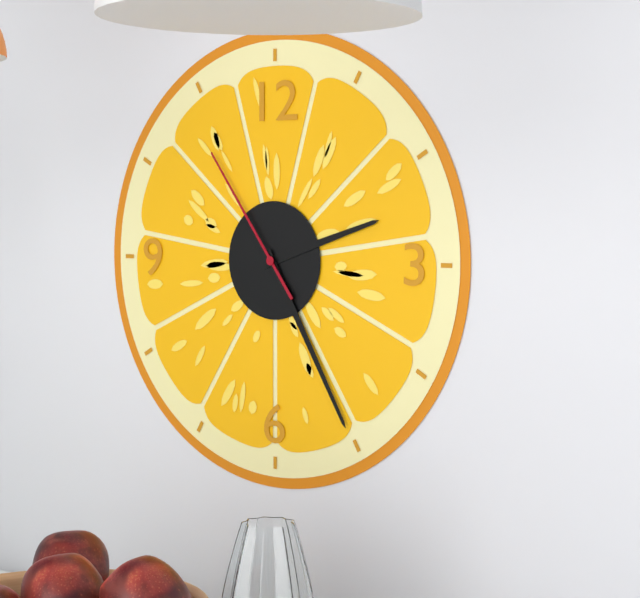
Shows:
2,25,54
